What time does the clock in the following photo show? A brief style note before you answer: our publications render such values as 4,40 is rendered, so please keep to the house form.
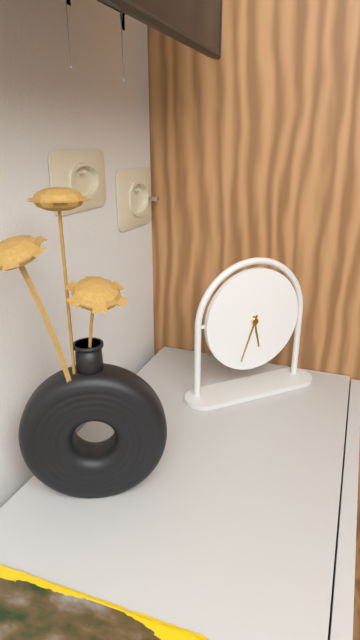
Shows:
5,33
